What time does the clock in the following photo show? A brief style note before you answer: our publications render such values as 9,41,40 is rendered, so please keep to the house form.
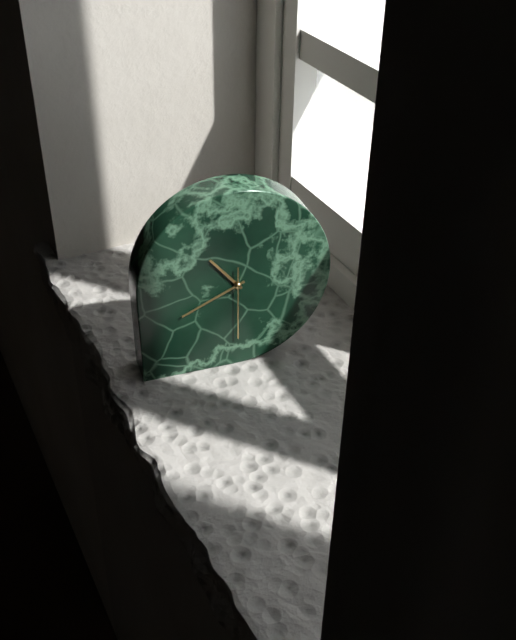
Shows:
10,41,30
